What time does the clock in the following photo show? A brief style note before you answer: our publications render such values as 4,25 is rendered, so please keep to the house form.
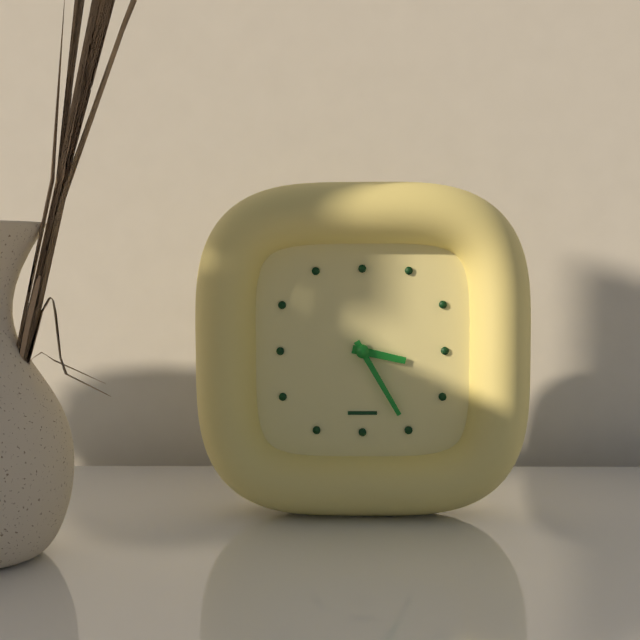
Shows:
3,25
